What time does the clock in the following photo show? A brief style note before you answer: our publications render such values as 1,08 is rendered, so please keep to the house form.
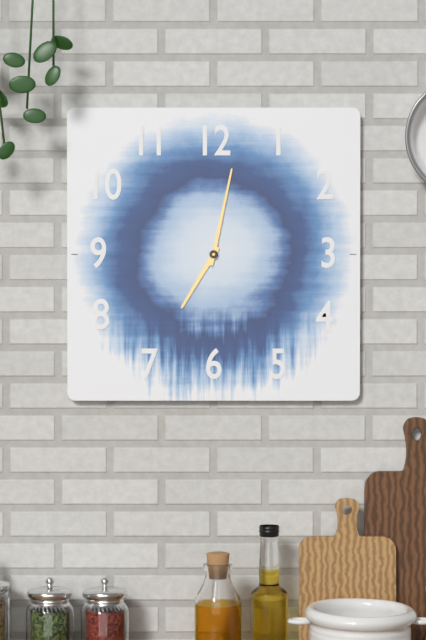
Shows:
7,02
